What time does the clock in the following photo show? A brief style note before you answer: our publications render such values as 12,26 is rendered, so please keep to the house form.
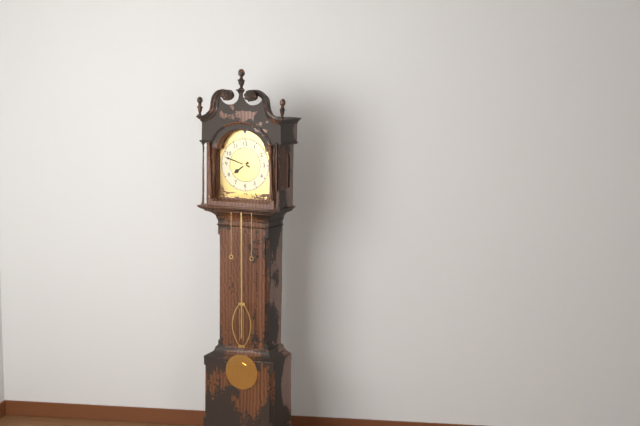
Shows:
7,48
